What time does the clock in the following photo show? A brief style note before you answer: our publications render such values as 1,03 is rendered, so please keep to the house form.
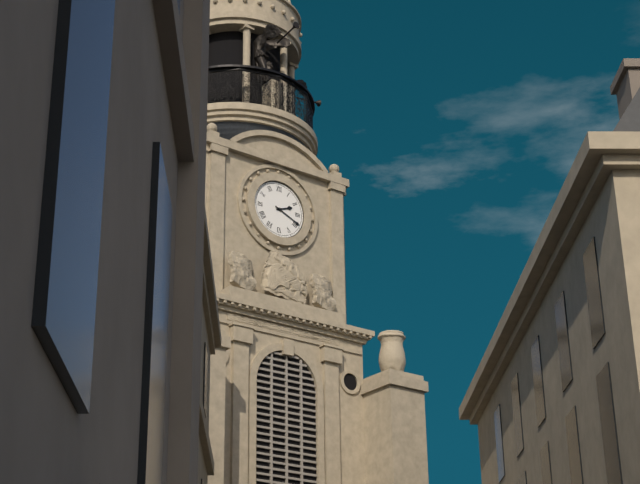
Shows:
2,19
